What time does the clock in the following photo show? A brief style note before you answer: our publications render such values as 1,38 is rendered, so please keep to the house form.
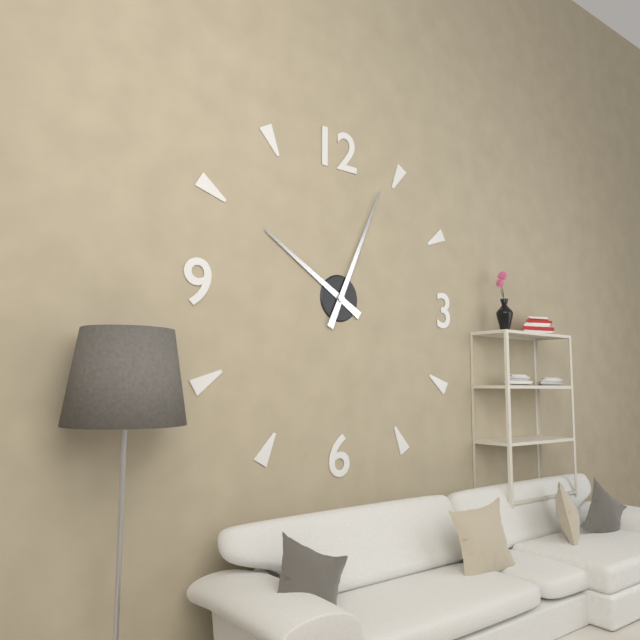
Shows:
10,04
